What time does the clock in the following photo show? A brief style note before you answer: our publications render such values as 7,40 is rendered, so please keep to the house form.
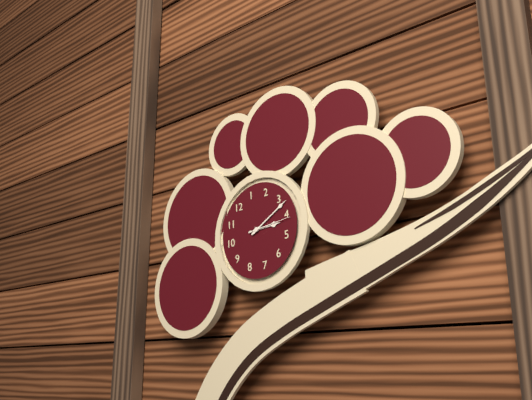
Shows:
4,17
